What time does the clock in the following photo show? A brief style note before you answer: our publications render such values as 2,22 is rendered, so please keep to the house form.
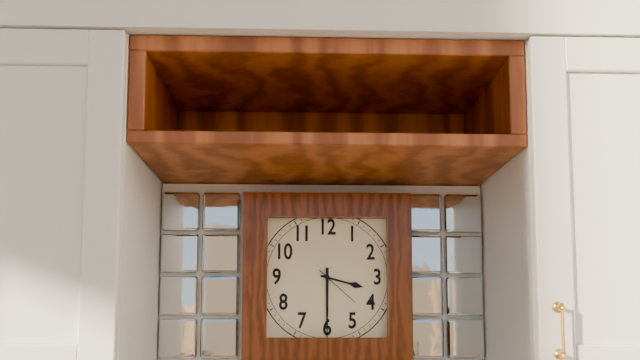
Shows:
3,30
